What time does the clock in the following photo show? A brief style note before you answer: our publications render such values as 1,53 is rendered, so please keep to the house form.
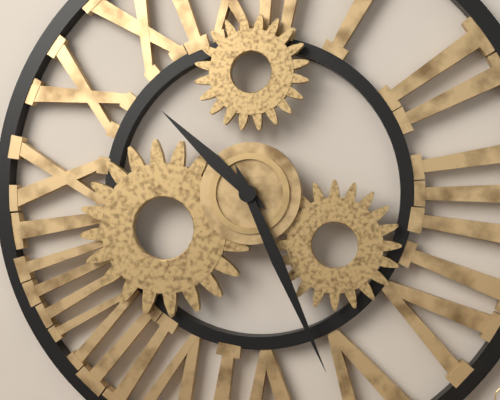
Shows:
10,26
